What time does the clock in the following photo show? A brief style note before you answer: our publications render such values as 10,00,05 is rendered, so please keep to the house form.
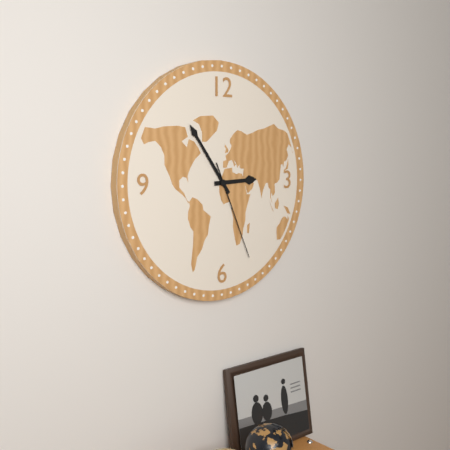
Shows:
2,54,26
